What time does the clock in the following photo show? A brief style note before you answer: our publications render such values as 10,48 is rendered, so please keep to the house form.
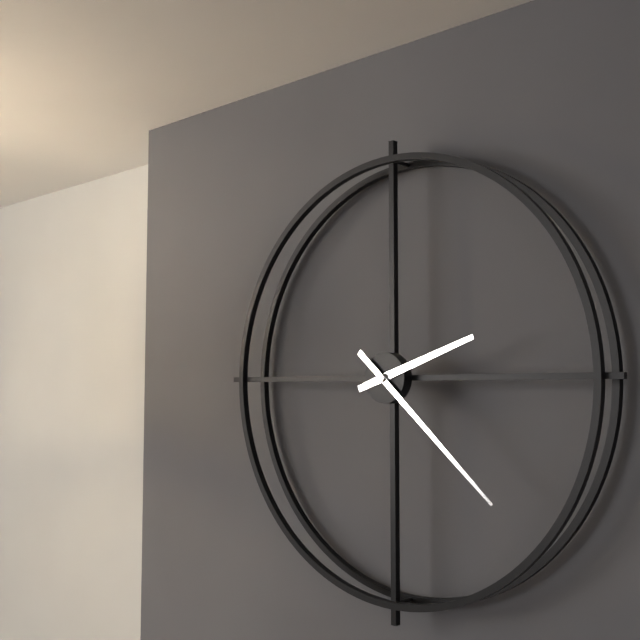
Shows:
2,22
